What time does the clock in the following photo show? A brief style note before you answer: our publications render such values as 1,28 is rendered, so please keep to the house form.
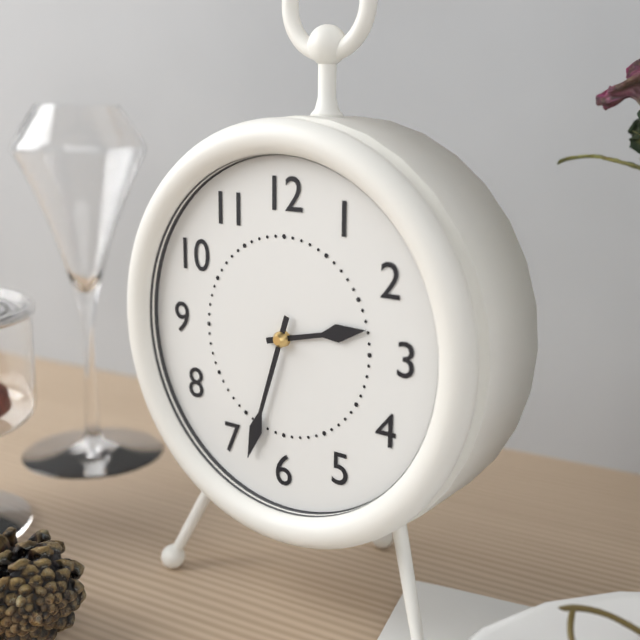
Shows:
2,33
